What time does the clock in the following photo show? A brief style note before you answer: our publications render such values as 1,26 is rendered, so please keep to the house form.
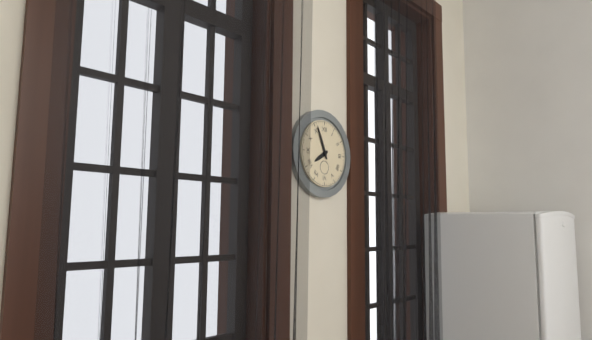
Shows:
7,56
